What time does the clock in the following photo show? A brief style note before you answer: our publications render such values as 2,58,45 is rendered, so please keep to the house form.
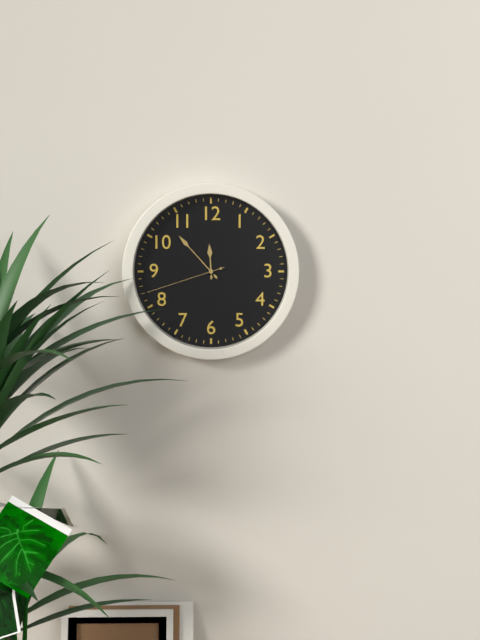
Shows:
11,53,42
